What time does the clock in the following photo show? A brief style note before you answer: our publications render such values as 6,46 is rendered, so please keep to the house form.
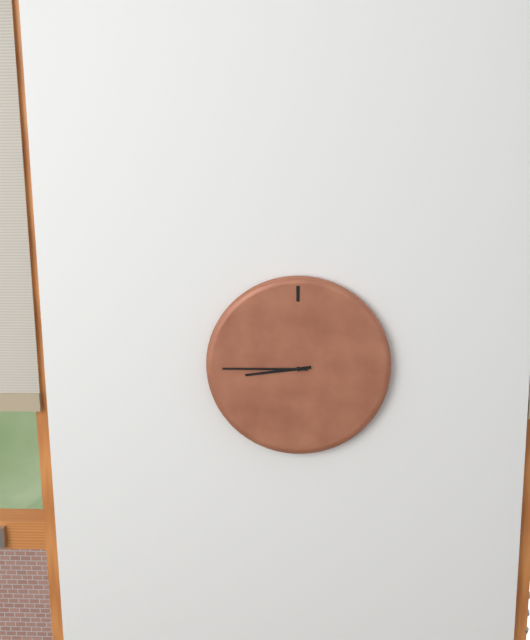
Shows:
8,45
